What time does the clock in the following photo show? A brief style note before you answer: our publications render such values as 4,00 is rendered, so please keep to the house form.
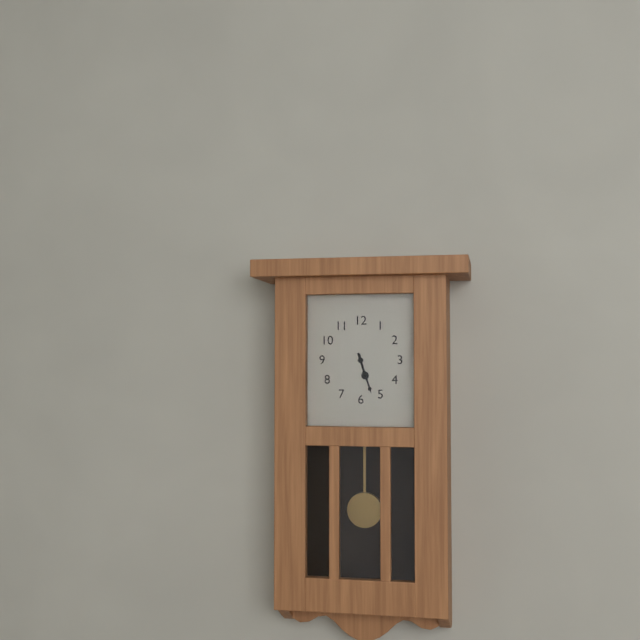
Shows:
5,27
